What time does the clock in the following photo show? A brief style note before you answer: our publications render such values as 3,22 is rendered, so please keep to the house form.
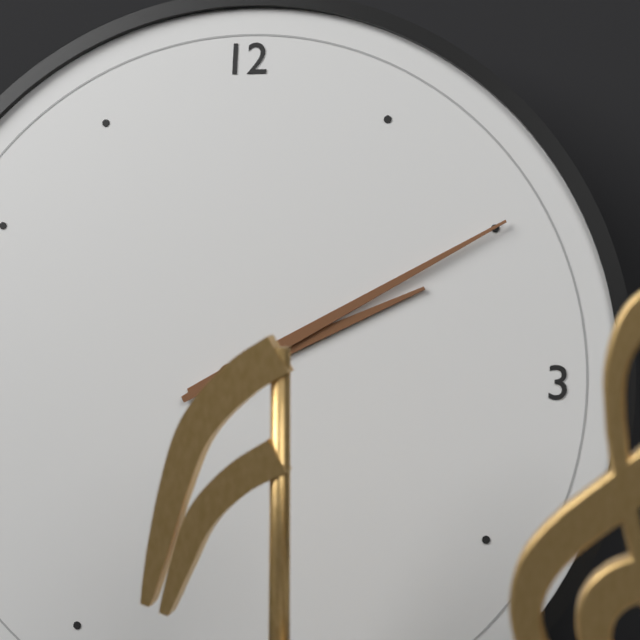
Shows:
2,10
